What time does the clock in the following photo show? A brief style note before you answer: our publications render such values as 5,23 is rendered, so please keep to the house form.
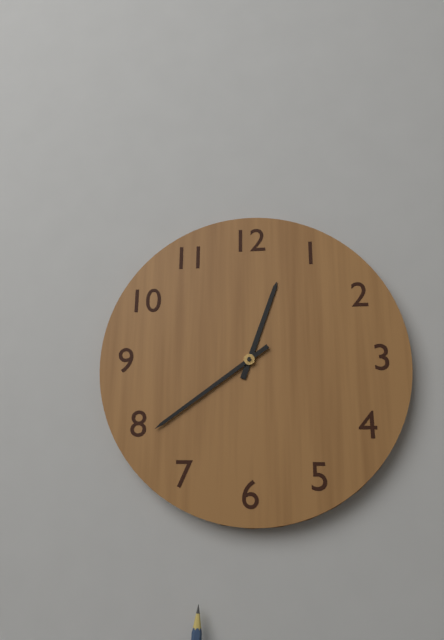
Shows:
12,39
